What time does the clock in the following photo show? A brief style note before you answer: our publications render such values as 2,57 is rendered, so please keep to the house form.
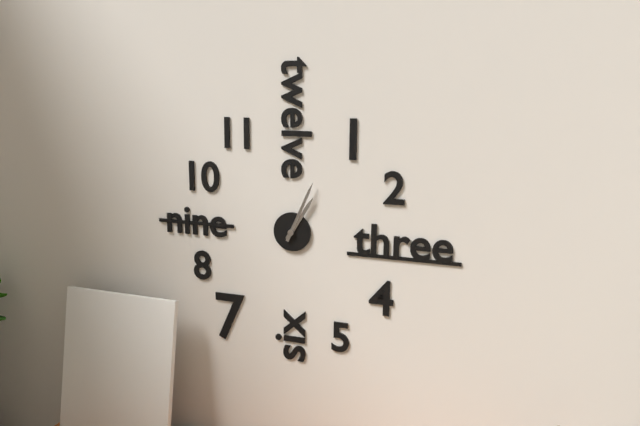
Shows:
1,04
